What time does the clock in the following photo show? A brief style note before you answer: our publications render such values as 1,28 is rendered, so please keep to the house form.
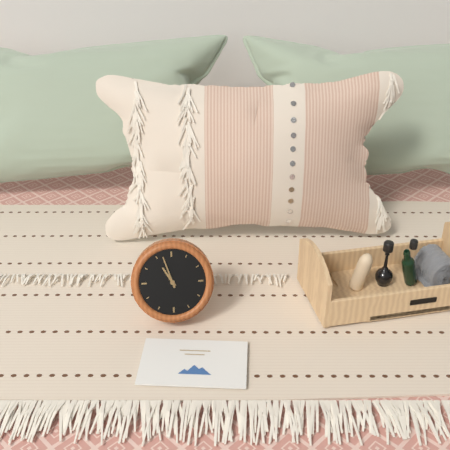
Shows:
10,57
